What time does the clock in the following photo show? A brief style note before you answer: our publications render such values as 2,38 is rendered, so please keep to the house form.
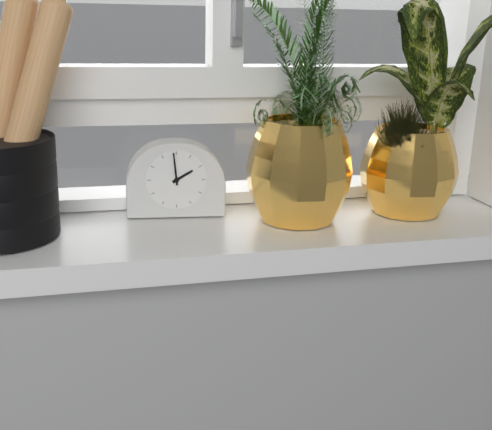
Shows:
1,59
